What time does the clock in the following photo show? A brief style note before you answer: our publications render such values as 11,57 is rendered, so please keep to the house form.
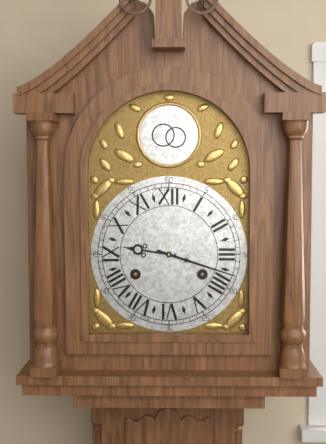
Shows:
9,18
